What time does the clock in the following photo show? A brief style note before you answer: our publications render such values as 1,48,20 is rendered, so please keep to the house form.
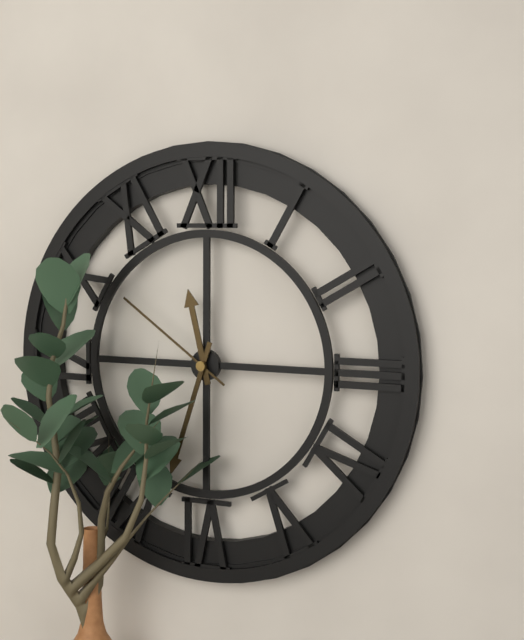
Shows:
11,33,51
